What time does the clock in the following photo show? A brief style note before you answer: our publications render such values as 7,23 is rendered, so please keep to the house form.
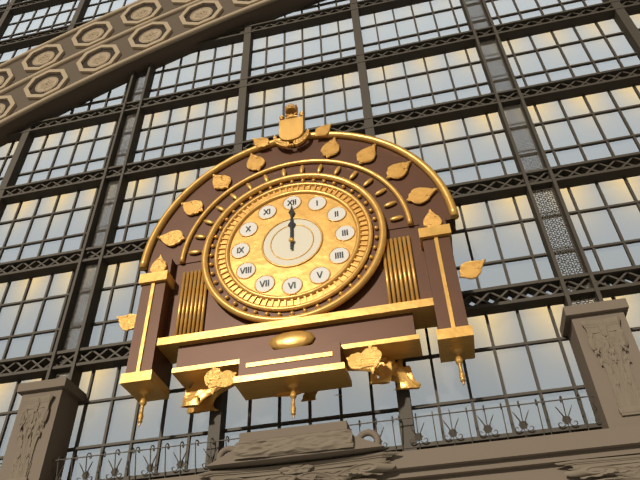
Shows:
12,00
